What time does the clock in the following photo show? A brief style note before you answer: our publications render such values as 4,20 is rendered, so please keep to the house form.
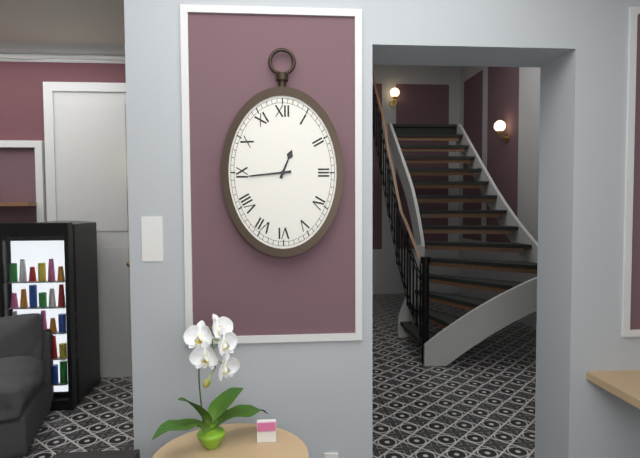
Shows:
12,44
